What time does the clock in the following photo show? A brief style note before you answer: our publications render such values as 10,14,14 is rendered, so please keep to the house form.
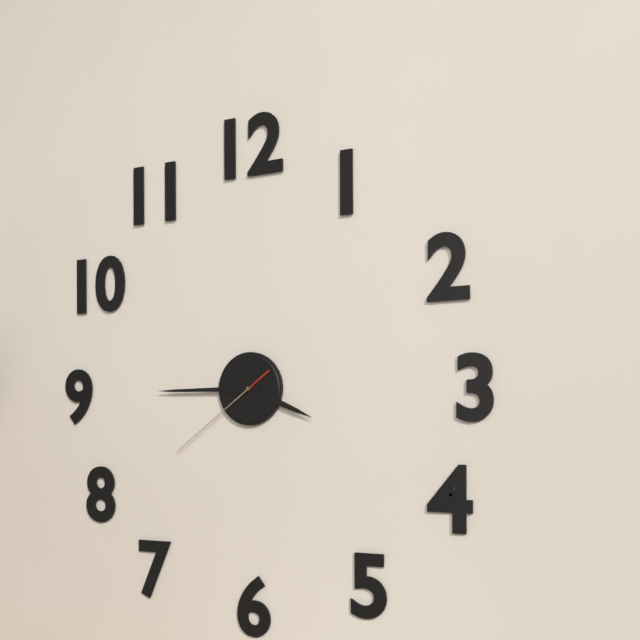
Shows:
3,45,39
